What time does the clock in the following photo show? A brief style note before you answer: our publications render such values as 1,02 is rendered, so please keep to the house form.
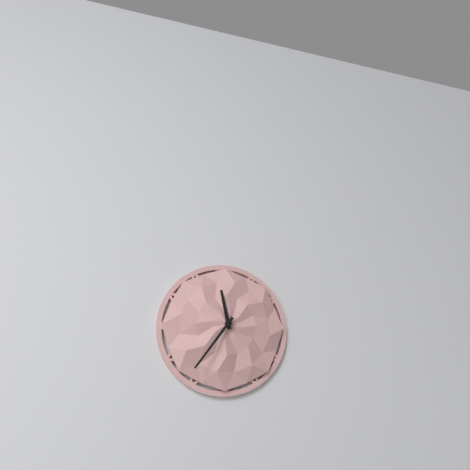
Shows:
11,36
